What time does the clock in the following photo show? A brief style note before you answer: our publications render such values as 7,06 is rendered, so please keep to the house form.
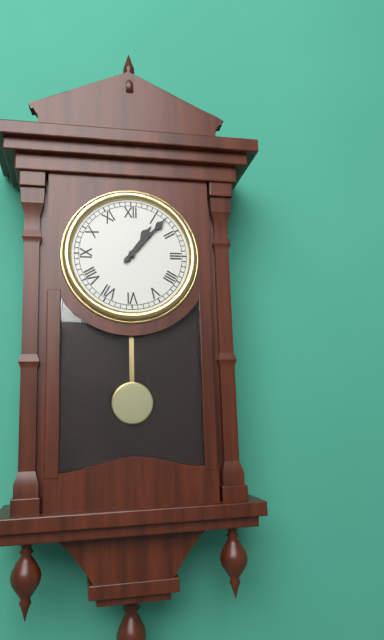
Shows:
1,07
